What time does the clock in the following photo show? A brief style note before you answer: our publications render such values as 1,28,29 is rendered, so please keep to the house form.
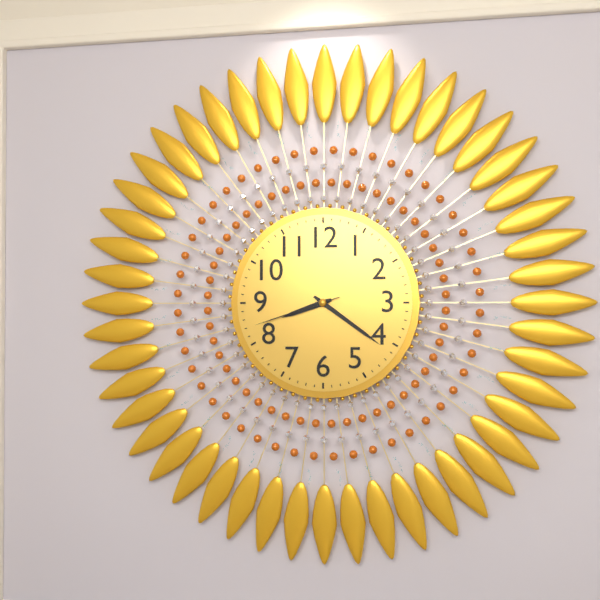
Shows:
8,21,42
